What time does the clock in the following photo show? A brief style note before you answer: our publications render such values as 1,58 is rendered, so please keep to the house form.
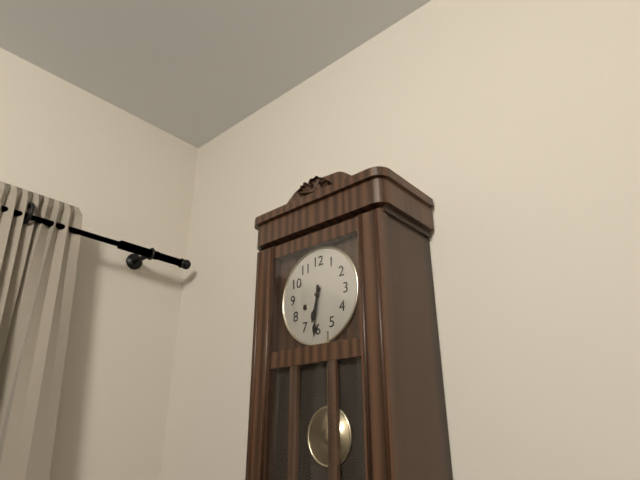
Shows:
6,31
